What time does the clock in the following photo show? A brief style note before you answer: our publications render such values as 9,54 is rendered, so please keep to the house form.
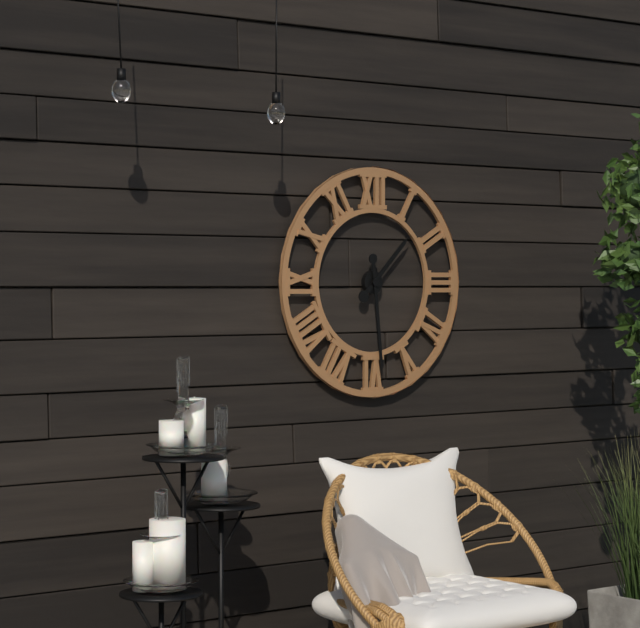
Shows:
1,29
